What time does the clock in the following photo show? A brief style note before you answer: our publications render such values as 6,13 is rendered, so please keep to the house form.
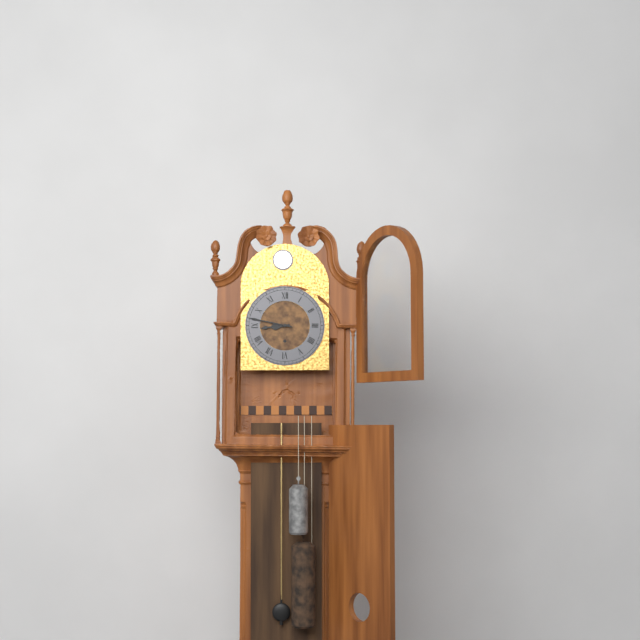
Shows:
8,47
